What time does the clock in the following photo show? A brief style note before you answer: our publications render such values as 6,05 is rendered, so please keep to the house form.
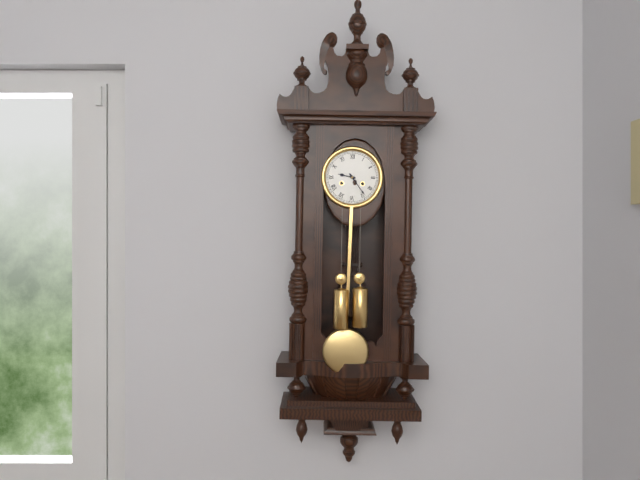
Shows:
9,24
